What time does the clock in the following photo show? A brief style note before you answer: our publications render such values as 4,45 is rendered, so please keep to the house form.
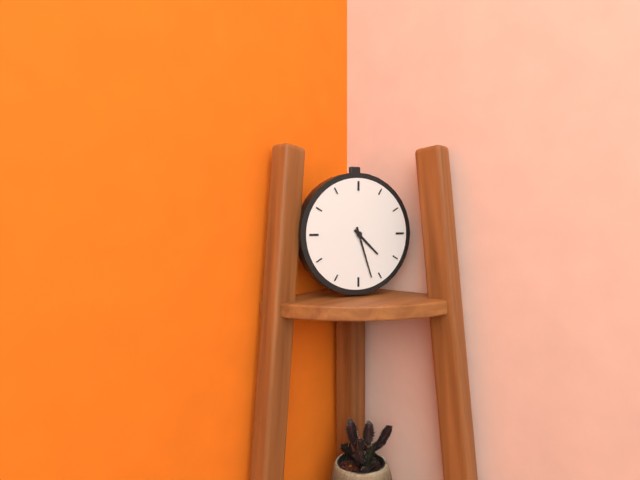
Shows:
4,27
